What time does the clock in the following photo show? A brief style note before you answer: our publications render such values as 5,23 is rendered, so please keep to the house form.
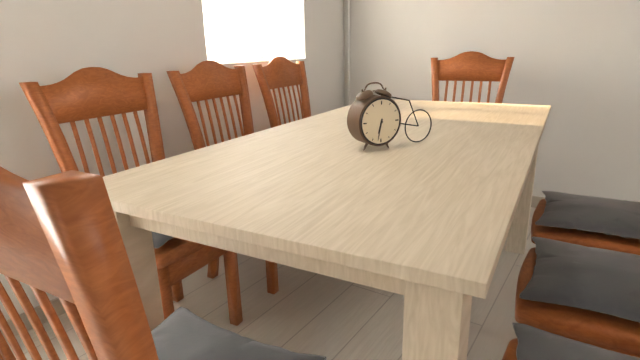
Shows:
6,32
